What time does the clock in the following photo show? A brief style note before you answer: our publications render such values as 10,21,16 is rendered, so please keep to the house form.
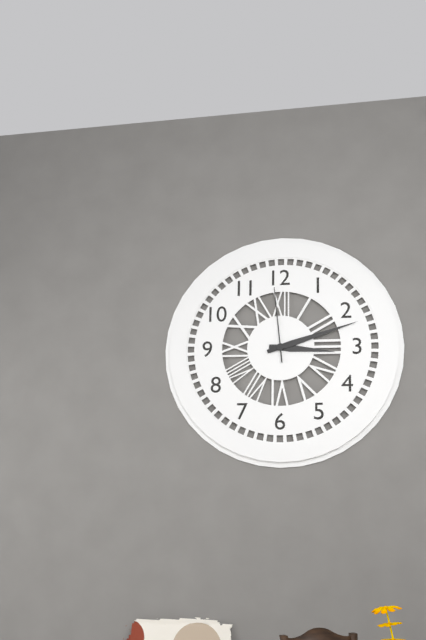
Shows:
3,12,59
